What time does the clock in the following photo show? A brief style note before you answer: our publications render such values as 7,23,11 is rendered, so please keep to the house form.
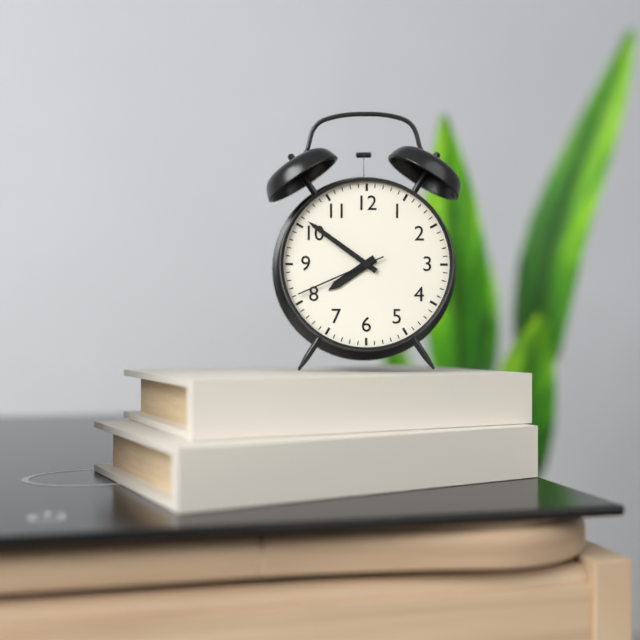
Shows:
7,51,41
